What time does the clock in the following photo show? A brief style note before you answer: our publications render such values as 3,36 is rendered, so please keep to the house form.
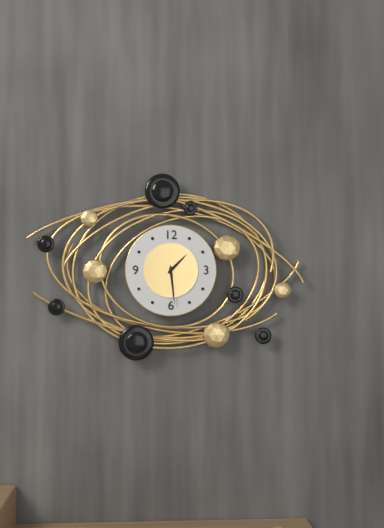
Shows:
1,29
